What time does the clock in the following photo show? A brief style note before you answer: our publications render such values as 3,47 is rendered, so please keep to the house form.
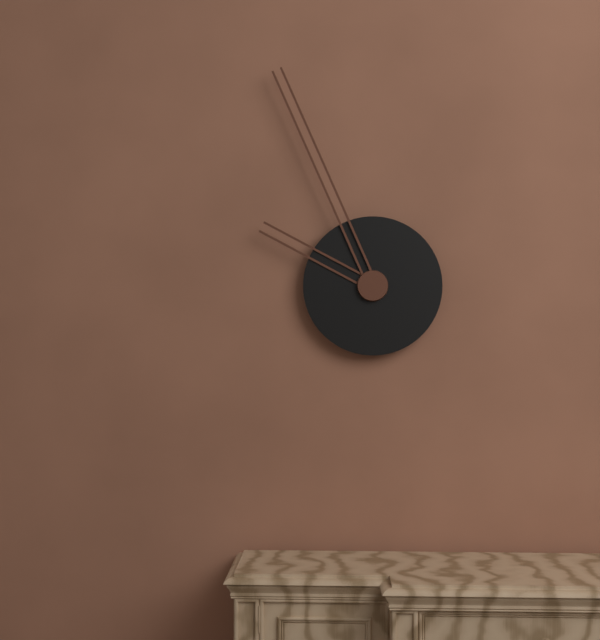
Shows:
9,56
